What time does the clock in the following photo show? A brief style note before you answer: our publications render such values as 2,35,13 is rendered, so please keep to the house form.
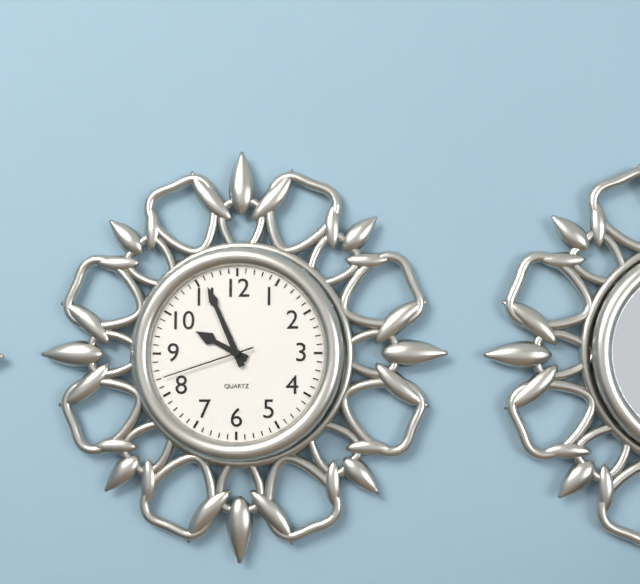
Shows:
9,56,42
